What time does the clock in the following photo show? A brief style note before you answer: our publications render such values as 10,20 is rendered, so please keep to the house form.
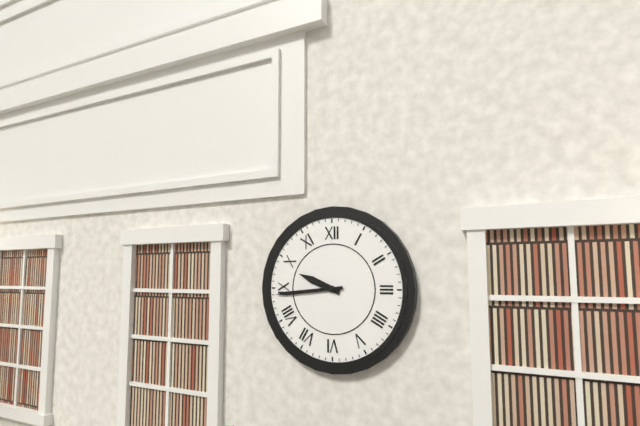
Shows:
9,44
